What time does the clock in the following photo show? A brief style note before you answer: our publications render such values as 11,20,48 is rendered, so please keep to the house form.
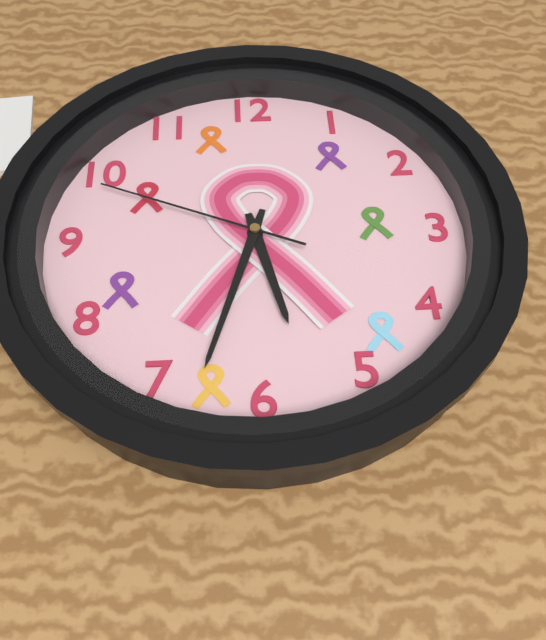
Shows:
5,33,49
